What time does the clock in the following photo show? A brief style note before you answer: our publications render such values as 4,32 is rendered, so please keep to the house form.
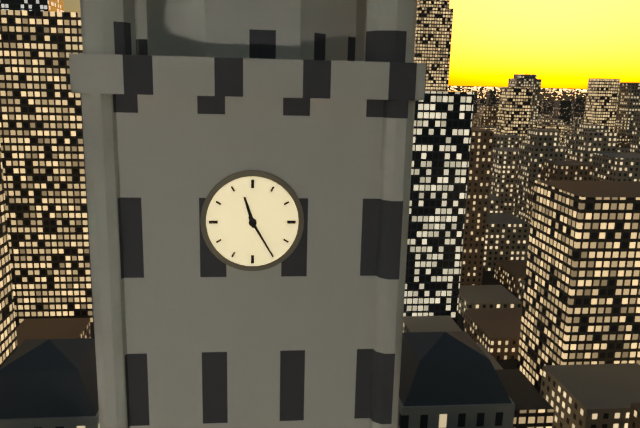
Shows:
11,25
